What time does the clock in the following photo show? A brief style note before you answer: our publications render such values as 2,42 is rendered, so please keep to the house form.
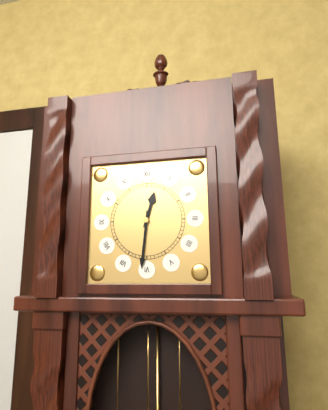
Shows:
12,31
